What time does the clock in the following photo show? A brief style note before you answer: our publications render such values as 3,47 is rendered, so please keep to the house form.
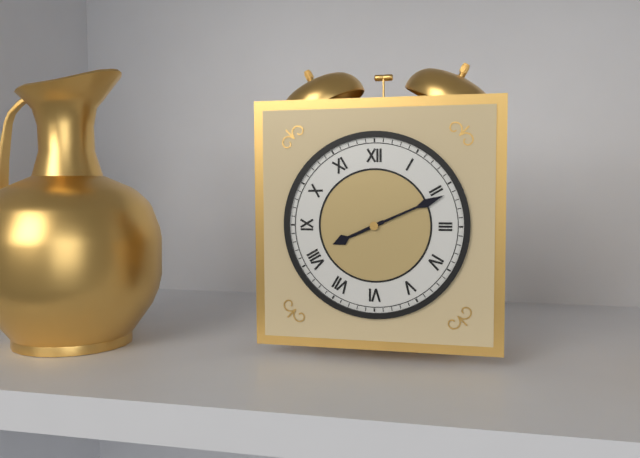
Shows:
8,11
